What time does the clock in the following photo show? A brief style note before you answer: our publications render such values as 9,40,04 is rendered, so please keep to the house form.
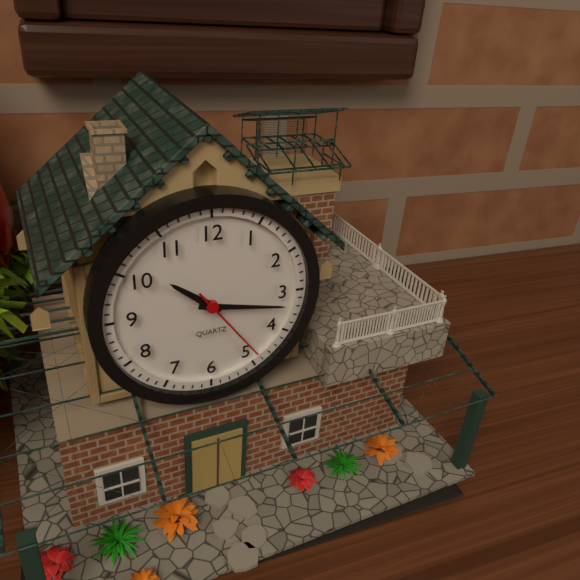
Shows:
10,17,24
